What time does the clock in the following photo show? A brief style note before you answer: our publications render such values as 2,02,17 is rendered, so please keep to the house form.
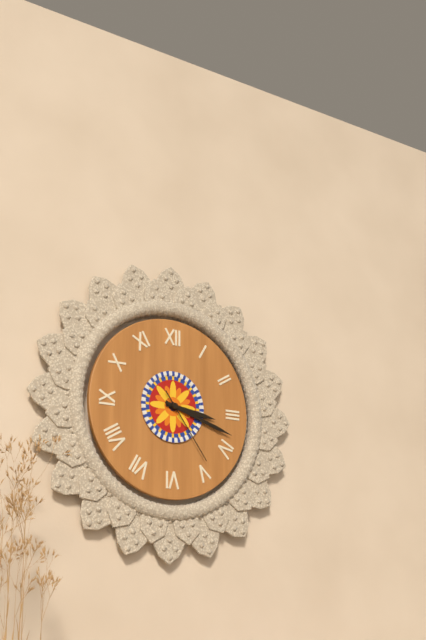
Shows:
3,18,24
